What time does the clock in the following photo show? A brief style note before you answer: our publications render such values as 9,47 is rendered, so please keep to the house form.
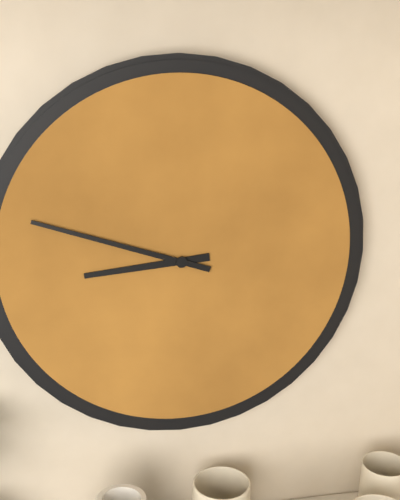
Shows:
8,48
